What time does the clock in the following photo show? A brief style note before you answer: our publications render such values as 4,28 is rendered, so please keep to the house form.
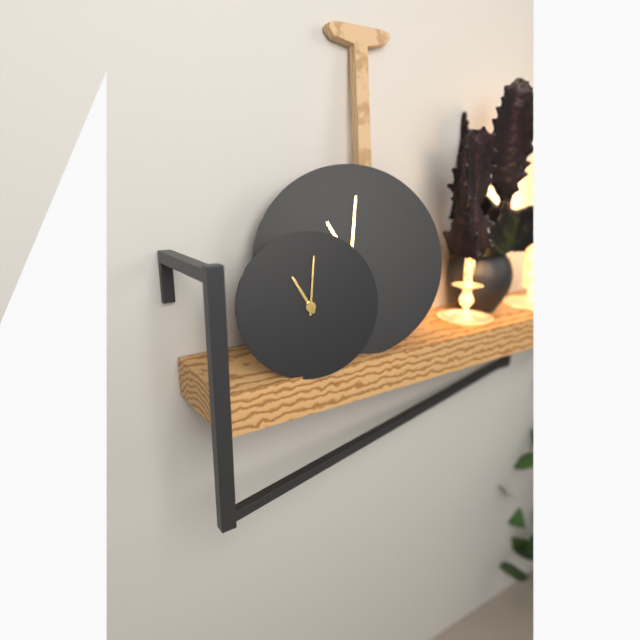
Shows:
11,01
